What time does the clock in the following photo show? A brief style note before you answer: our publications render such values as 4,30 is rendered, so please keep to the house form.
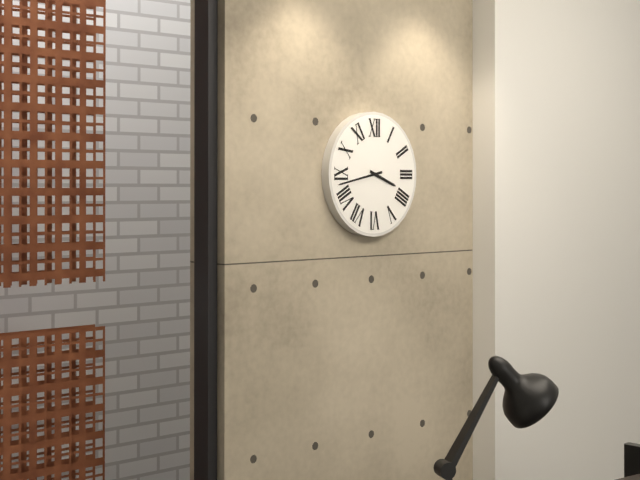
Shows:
3,43
